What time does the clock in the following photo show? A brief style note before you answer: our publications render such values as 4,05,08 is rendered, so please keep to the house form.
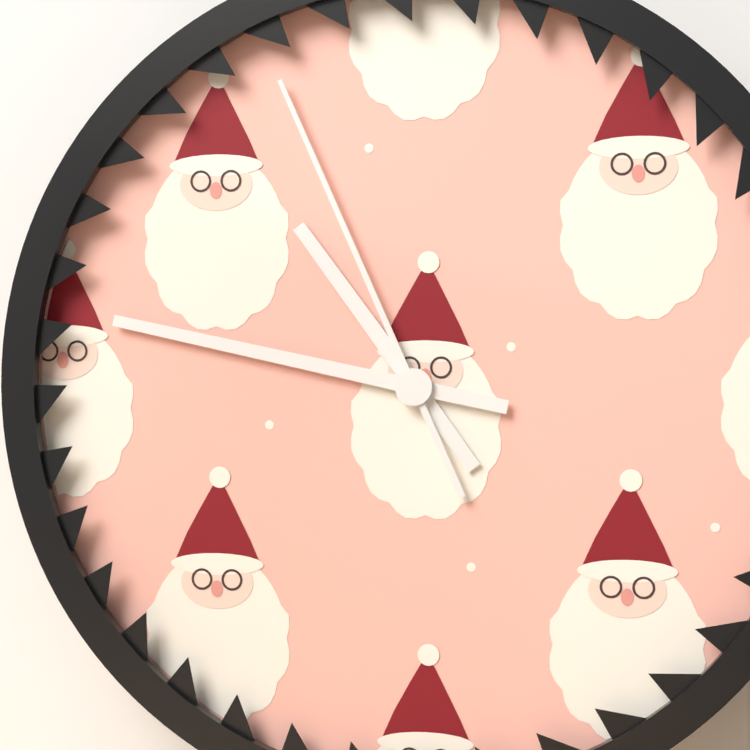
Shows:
10,47,56
